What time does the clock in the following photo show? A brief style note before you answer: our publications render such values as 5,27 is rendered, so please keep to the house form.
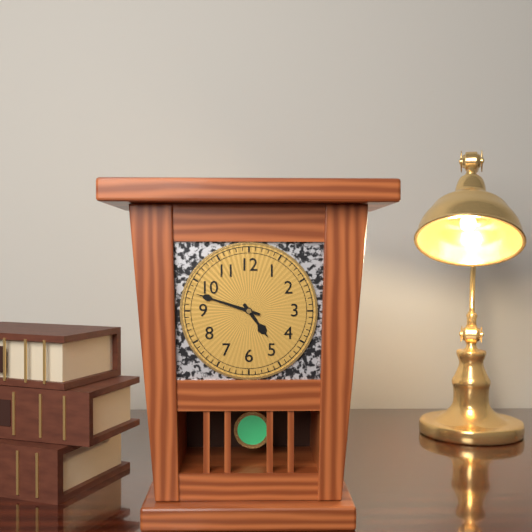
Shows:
4,48
